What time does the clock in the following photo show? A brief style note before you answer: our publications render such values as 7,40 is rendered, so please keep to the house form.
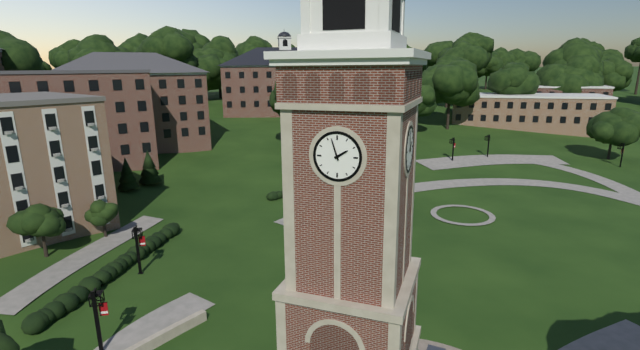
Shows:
1,57
